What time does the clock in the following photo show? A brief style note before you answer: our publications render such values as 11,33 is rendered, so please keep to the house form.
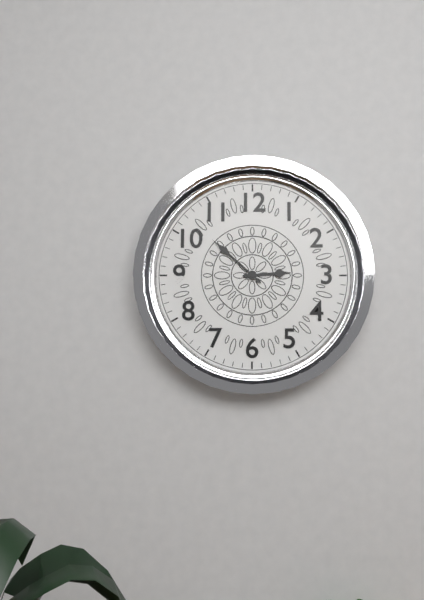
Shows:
2,52
